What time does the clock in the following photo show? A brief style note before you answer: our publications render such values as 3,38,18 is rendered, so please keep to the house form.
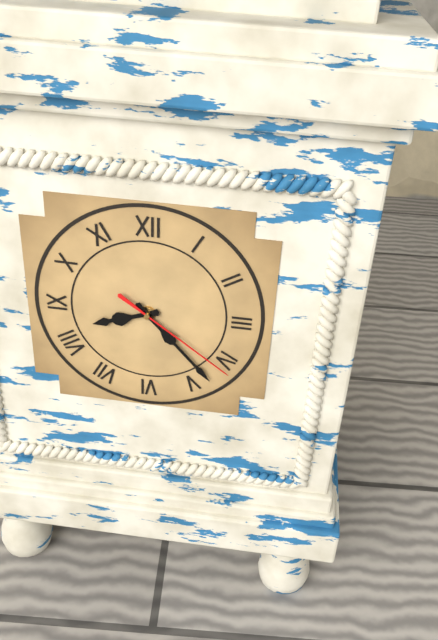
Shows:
8,23,21
